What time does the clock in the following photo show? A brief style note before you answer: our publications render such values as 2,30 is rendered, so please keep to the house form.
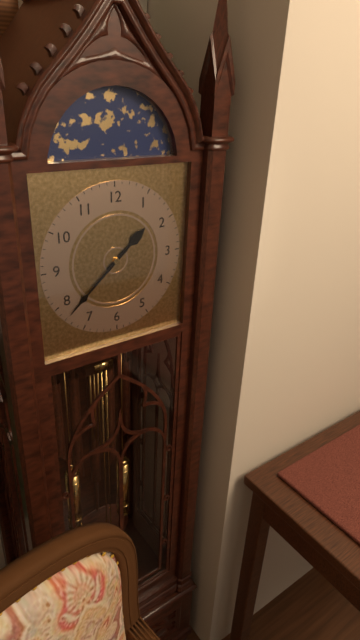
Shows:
1,38
